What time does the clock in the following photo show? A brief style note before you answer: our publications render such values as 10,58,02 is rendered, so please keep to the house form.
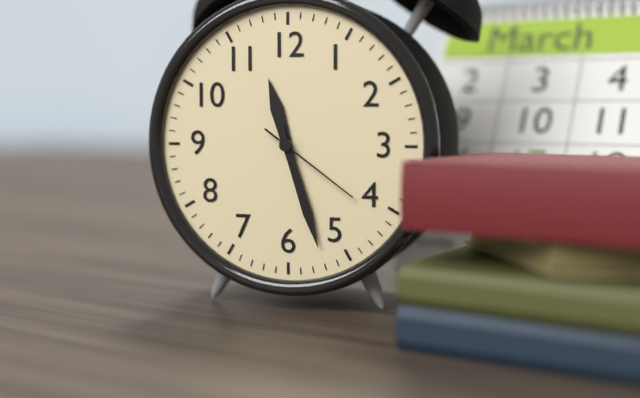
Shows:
11,27,21
